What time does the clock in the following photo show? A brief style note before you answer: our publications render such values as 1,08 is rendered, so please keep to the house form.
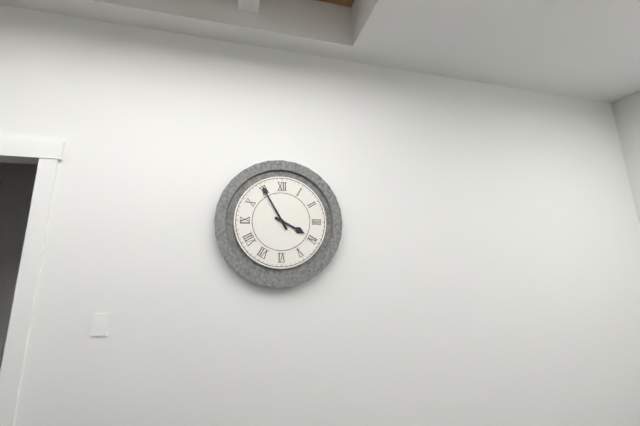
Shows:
3,55
